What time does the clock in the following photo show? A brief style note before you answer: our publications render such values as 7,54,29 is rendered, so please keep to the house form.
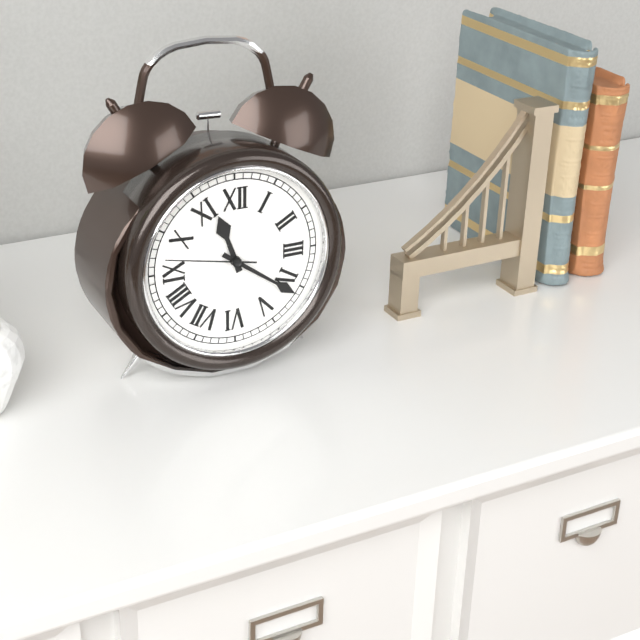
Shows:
11,21,47
